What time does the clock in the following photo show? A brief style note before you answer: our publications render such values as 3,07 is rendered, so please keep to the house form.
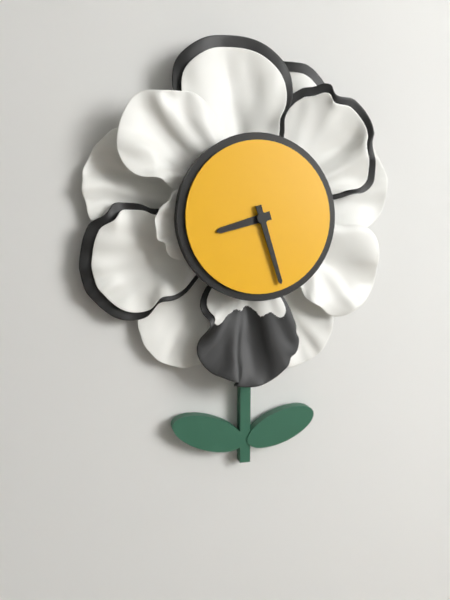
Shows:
8,27
